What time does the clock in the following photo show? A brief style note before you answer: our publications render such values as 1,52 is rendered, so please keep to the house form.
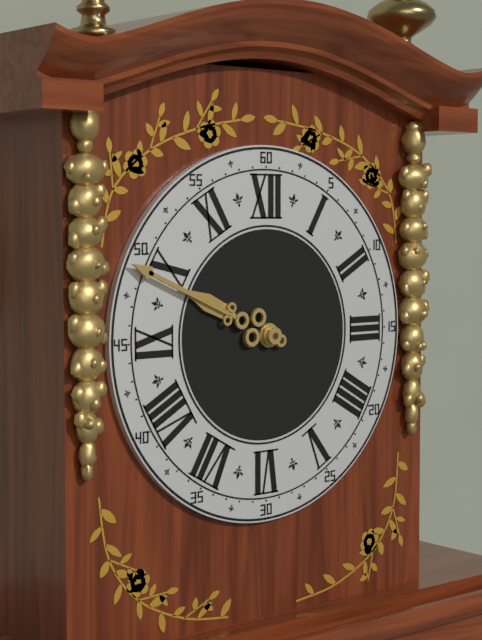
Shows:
9,49
